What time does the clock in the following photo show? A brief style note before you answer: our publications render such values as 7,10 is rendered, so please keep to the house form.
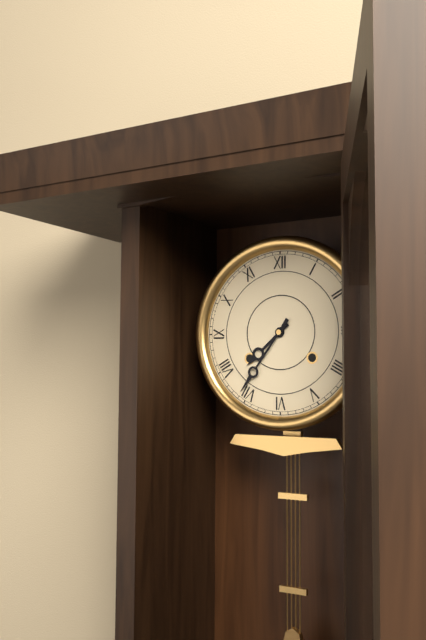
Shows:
7,36
